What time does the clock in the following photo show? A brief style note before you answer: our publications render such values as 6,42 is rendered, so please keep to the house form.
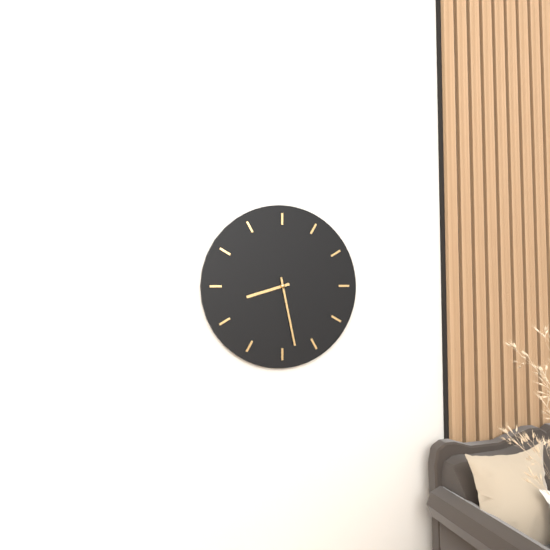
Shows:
8,28
